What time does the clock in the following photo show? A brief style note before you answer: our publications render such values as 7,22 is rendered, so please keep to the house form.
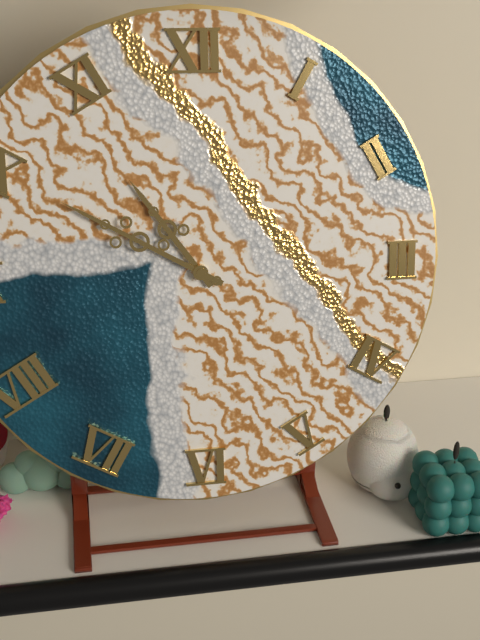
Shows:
10,50
